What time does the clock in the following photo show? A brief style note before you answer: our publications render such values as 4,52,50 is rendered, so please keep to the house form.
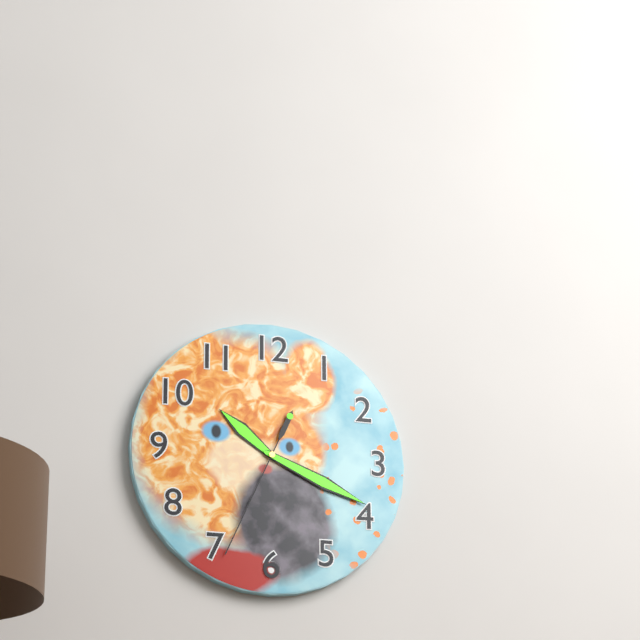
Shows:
10,19,34
